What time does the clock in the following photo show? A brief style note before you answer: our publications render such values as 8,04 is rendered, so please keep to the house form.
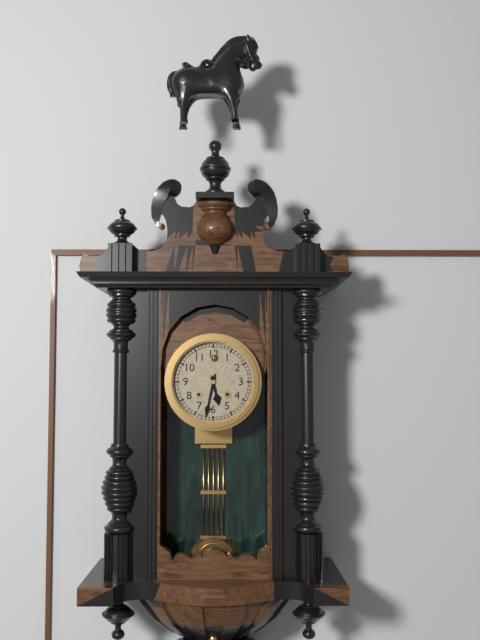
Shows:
5,32
